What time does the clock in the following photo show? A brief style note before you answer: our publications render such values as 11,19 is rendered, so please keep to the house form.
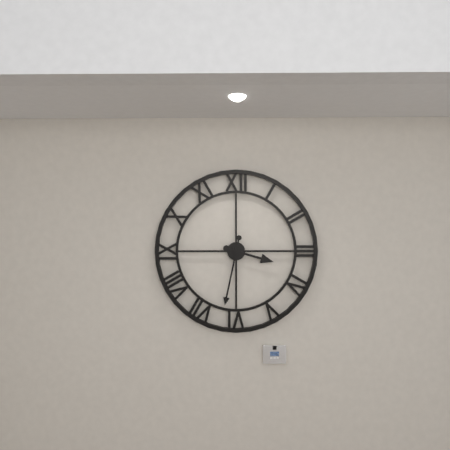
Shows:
3,32
